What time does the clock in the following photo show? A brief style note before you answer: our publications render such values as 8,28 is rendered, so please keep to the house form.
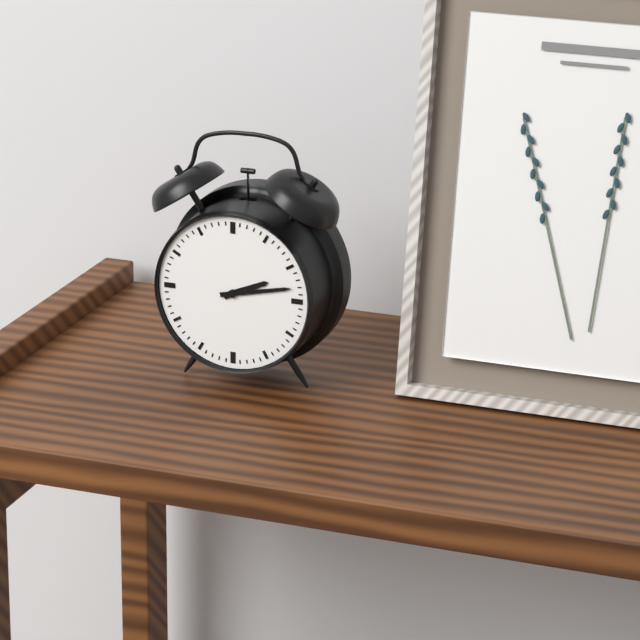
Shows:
2,13
